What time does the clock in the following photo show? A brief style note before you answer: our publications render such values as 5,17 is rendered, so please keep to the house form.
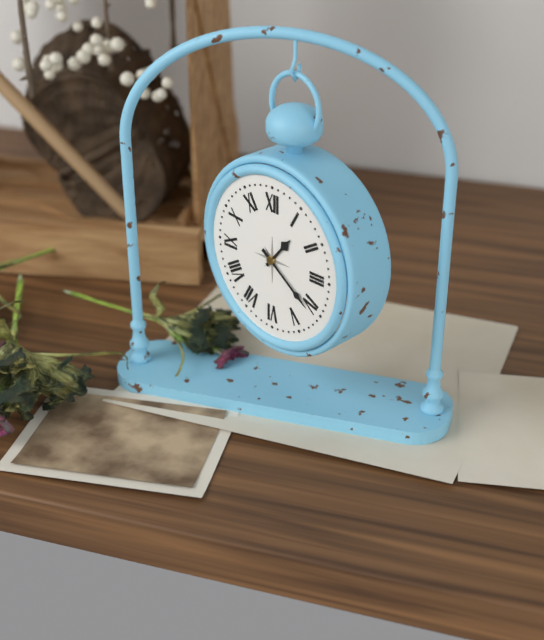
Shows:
1,21
